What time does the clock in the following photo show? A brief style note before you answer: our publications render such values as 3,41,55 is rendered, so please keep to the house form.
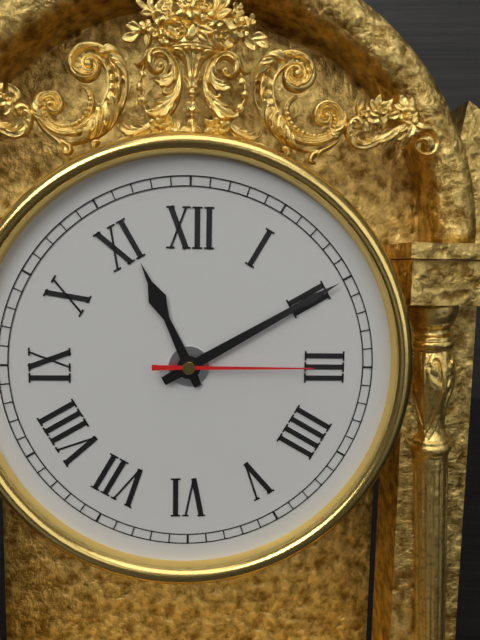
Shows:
11,10,15
